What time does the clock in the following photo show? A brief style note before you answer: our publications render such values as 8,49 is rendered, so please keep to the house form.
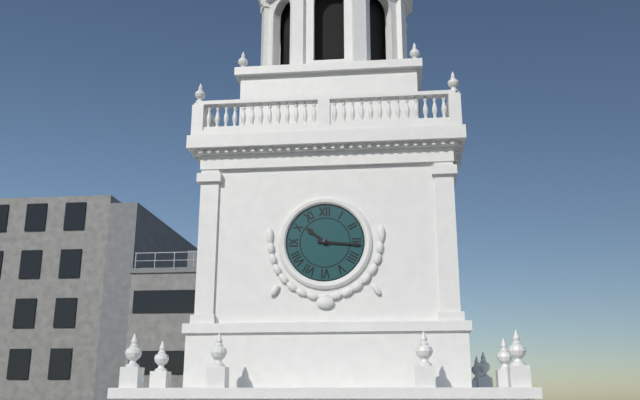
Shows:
10,16
